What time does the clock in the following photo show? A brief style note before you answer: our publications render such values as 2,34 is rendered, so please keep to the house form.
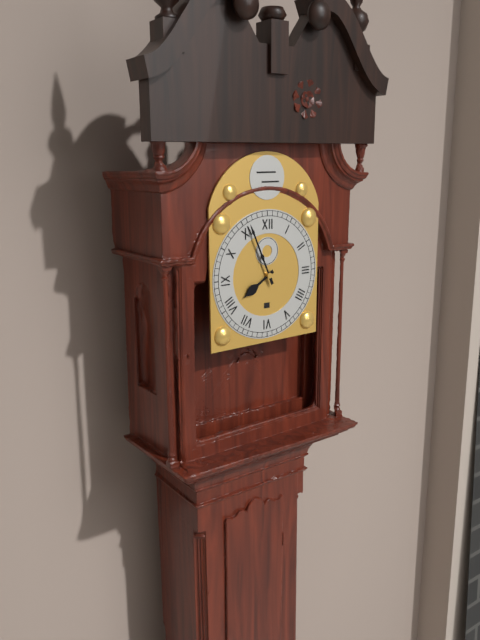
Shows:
7,56
